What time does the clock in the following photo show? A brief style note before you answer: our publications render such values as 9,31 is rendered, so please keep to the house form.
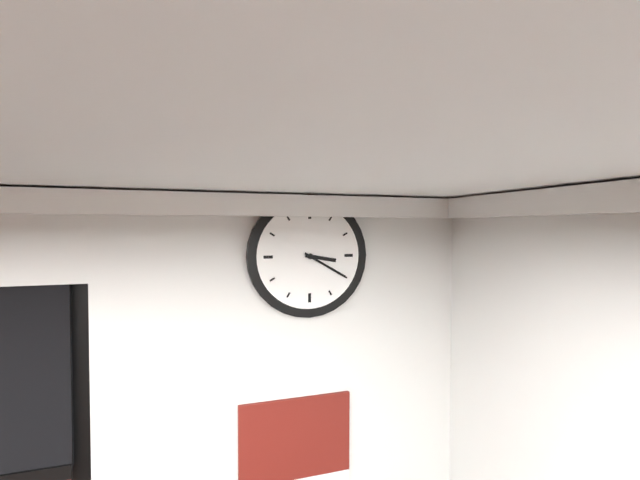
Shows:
3,20
